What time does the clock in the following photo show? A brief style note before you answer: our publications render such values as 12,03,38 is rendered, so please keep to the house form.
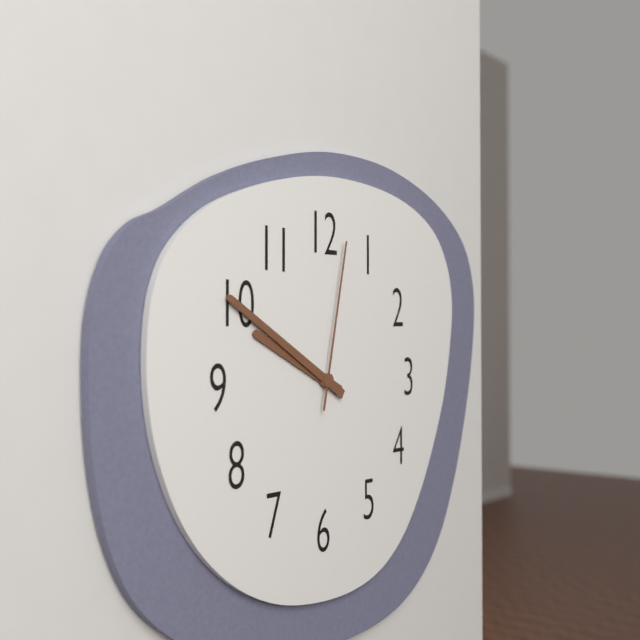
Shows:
9,50,02
